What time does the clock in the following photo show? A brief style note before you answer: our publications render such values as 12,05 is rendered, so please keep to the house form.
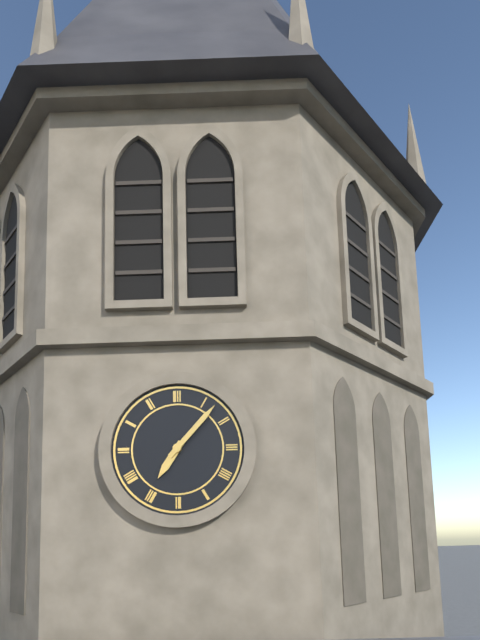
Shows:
7,07
